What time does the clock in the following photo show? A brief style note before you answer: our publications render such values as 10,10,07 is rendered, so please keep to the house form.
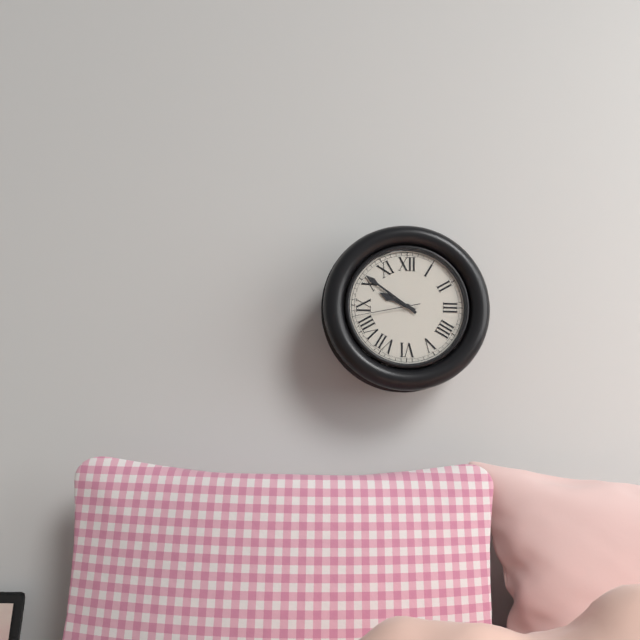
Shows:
9,51,43
